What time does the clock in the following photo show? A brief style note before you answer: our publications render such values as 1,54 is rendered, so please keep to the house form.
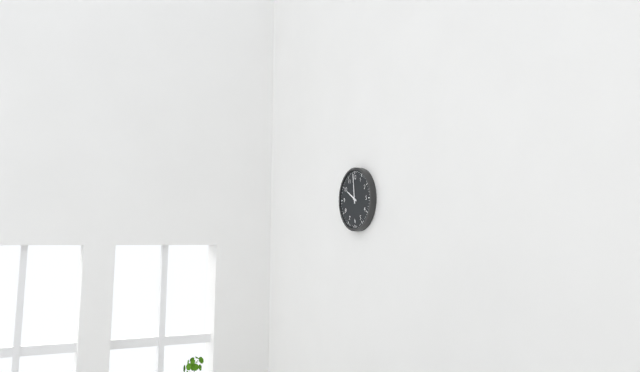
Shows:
9,59
